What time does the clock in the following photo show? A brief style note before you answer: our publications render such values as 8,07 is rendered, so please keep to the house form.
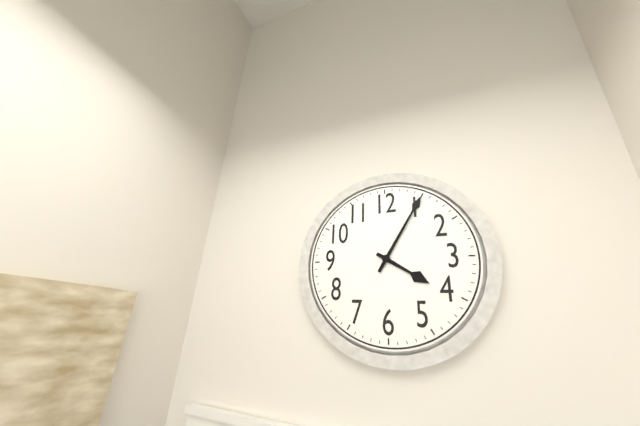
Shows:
4,05
